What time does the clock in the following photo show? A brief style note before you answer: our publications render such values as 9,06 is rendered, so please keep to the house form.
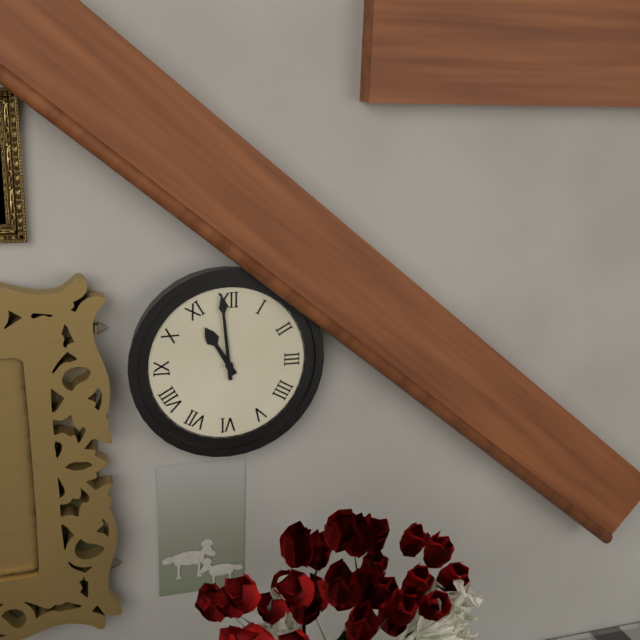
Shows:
10,59
